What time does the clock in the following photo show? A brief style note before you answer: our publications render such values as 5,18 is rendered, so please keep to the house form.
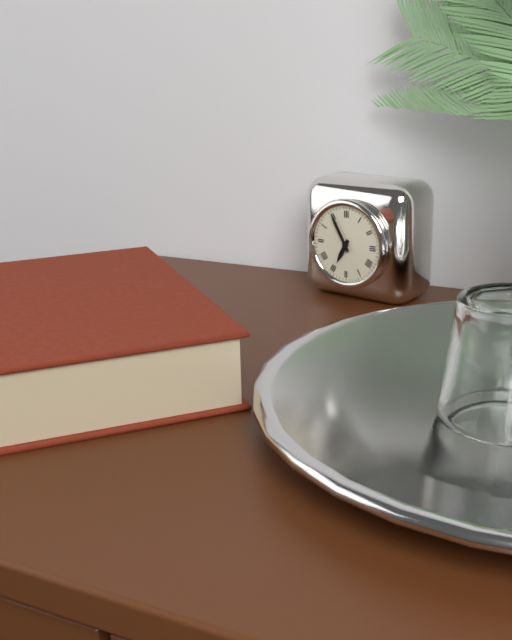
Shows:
6,55
